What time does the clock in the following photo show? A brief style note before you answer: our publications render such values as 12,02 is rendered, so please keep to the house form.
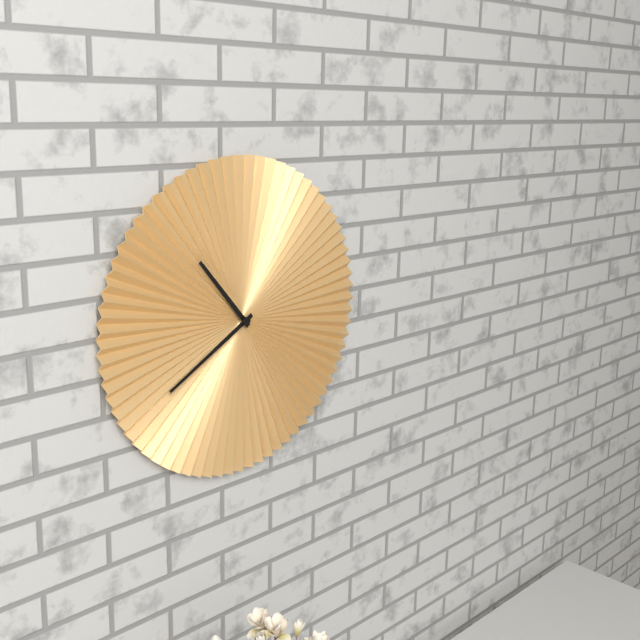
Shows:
10,40
